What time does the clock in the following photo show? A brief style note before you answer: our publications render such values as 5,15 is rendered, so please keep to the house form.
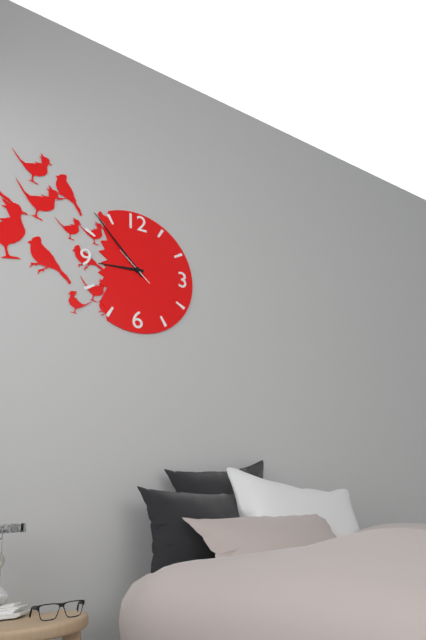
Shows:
8,53
